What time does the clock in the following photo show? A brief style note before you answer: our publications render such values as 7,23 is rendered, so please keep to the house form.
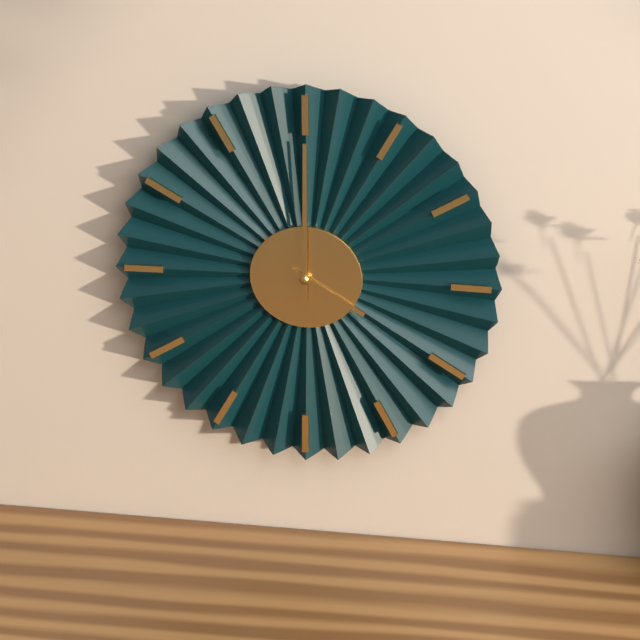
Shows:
4,00
